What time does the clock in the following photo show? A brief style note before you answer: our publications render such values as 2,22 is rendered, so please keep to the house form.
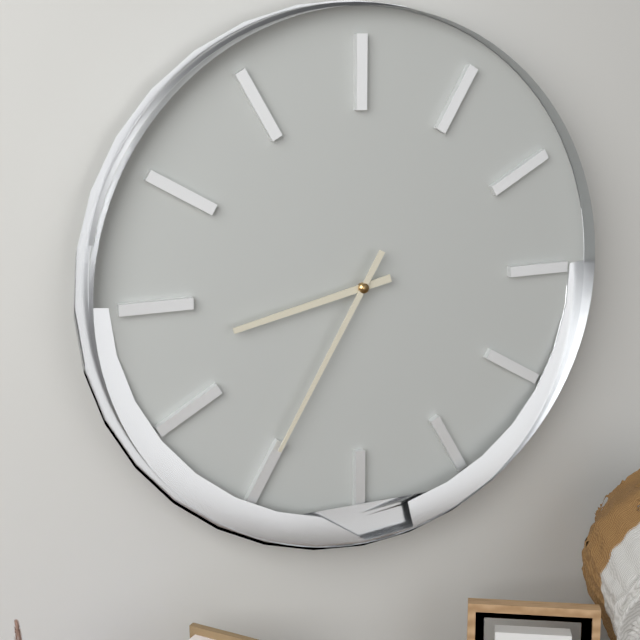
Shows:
8,35
